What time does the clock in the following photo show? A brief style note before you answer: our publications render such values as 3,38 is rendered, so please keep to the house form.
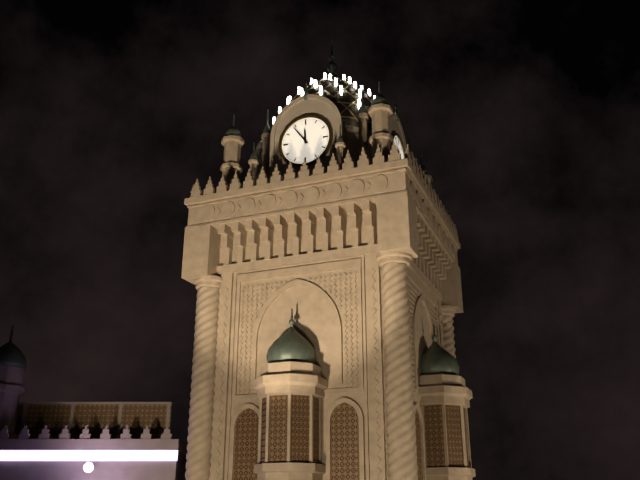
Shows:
11,54
